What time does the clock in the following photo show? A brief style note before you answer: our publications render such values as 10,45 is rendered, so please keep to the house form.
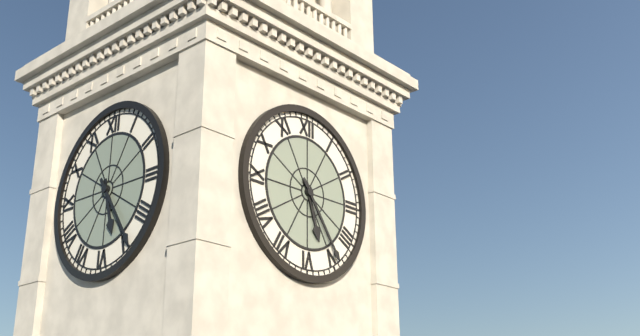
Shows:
5,24
